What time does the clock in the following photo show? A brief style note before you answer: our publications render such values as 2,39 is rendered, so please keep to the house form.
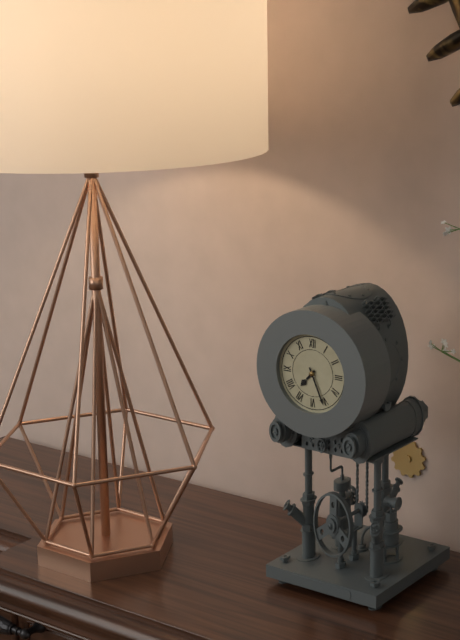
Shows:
7,26
